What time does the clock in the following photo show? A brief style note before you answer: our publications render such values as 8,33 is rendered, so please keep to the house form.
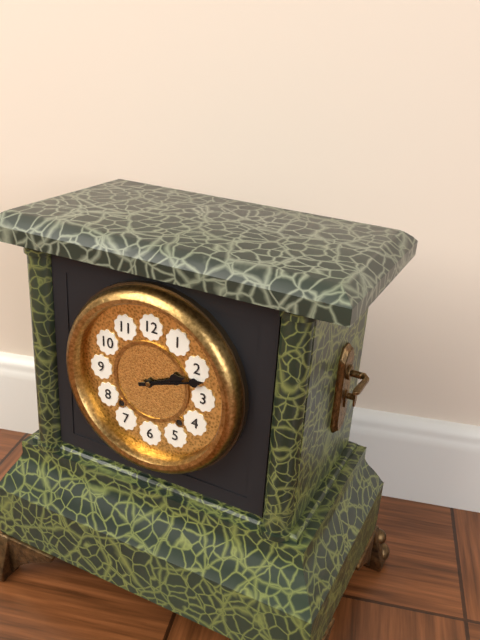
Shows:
2,12
